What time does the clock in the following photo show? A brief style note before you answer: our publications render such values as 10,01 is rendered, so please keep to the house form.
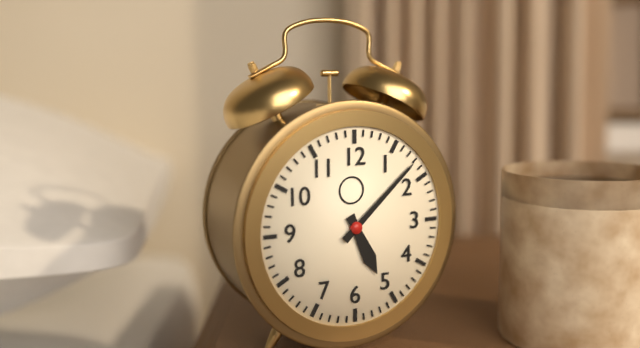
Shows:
5,08
